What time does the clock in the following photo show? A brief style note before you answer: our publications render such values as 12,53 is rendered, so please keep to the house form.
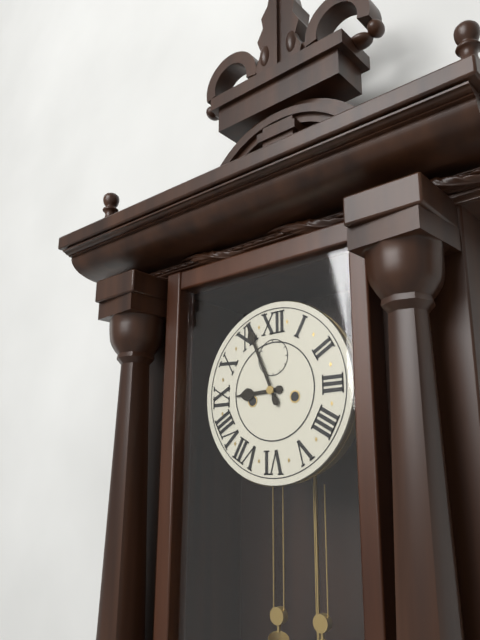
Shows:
8,56
